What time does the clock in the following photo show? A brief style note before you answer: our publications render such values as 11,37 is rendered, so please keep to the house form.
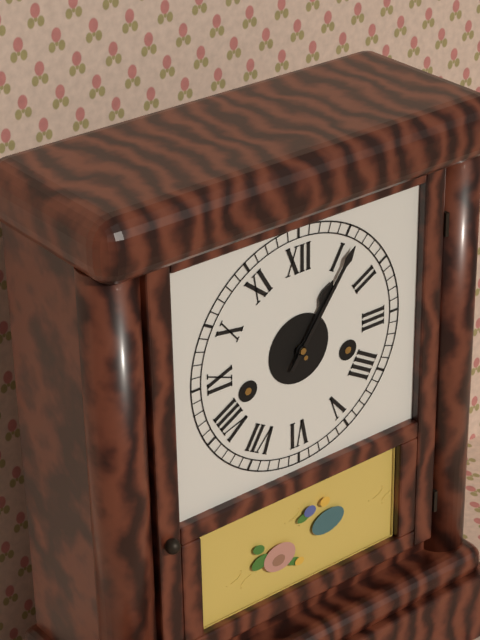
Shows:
1,06
